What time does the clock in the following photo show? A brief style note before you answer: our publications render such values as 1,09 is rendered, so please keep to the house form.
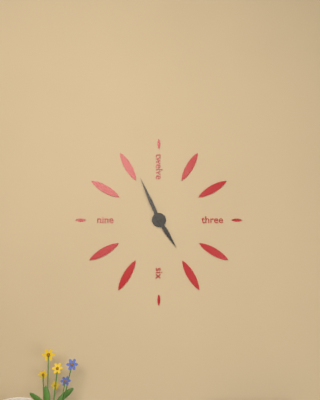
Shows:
4,56
